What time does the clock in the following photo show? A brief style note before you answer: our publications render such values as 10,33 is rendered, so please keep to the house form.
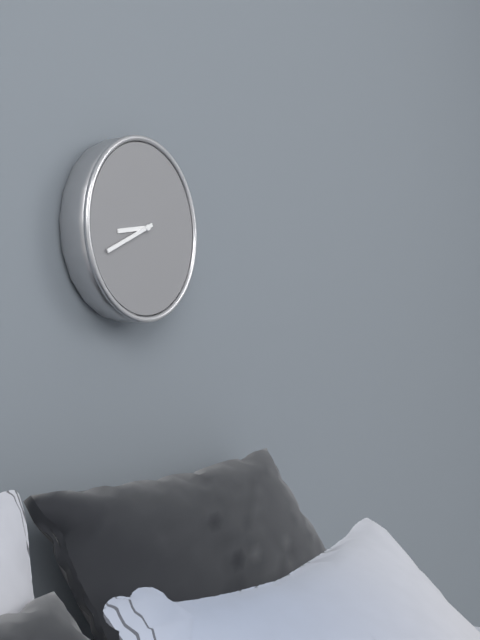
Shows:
8,41
